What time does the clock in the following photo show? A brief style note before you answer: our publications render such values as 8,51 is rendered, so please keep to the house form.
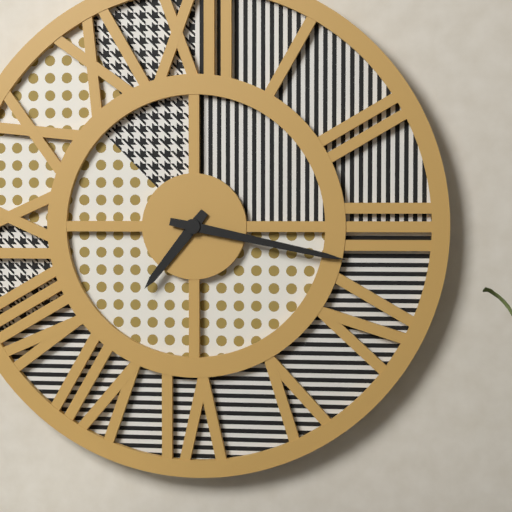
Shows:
7,17
